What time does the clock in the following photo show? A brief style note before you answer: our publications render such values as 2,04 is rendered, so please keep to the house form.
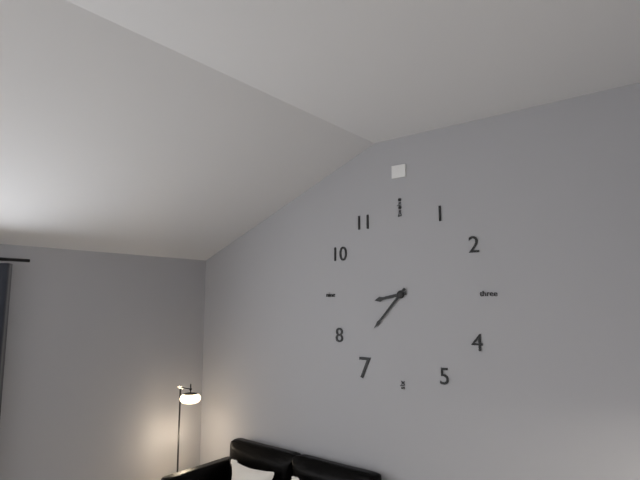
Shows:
8,37
